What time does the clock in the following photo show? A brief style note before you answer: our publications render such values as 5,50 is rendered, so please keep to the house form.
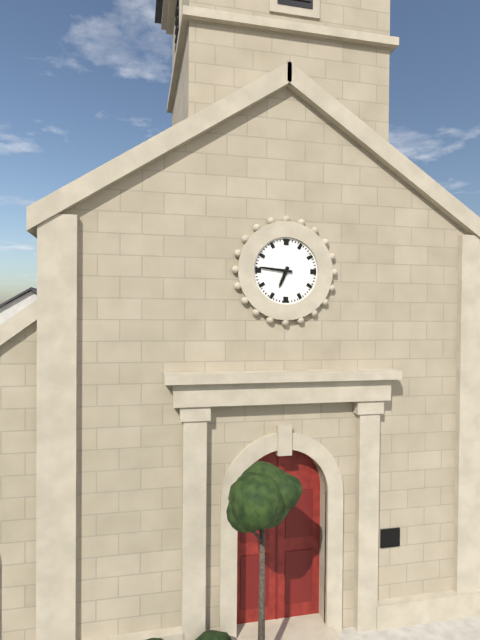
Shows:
6,46
